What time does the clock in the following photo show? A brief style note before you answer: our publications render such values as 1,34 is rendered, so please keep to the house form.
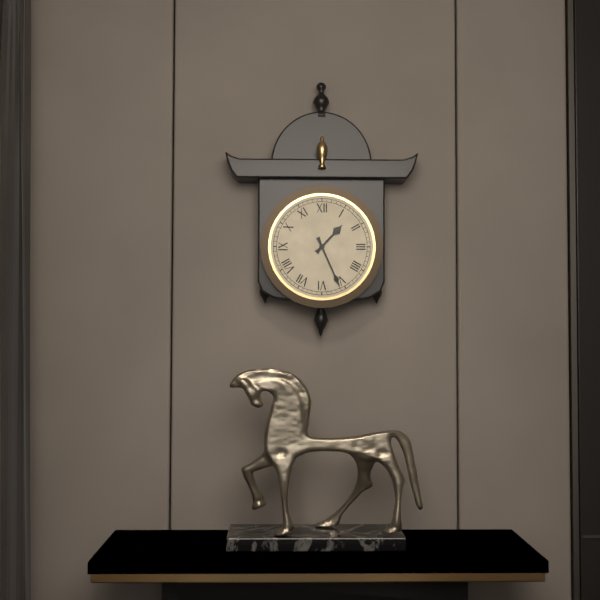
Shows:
1,26
